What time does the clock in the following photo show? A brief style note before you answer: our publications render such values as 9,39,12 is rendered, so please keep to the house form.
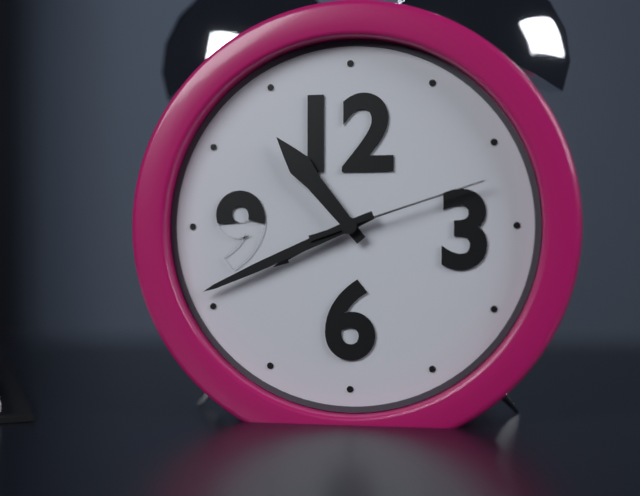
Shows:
10,41,12
